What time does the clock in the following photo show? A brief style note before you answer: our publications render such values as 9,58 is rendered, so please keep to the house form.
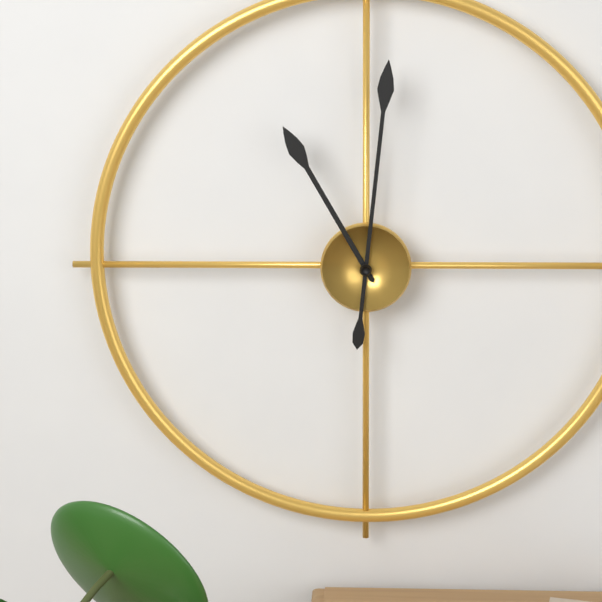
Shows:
11,01
